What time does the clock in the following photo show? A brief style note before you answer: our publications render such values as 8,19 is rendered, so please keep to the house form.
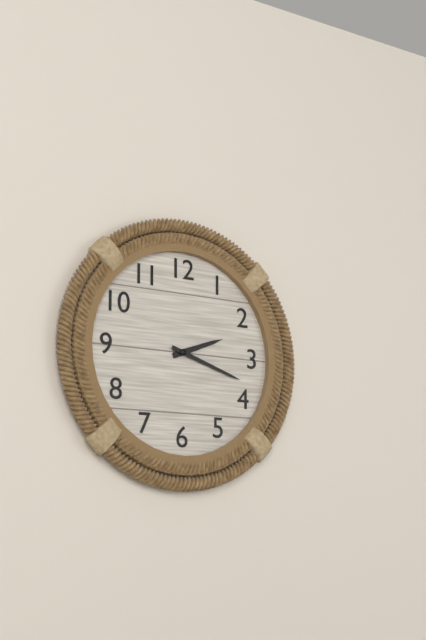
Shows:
2,18
